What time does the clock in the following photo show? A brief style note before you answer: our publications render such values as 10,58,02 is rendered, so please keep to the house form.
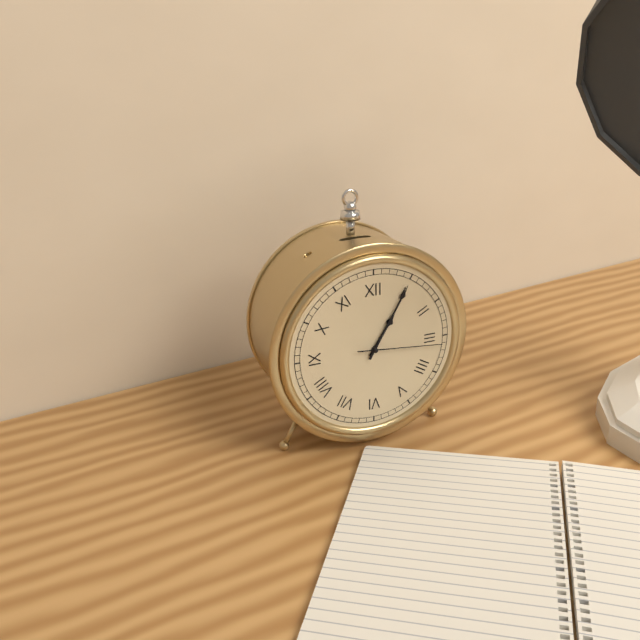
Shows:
1,05,16
